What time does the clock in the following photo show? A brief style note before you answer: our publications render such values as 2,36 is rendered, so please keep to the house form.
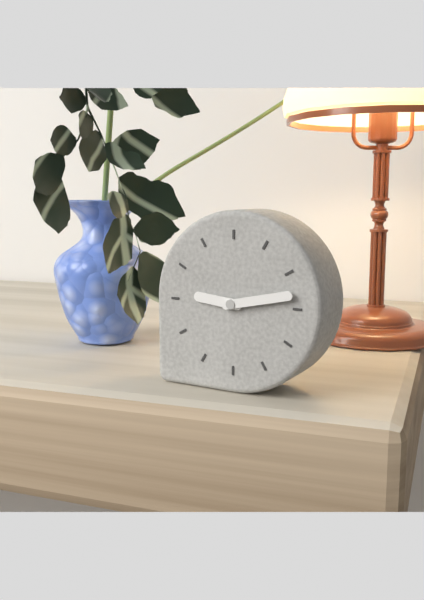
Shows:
9,13
